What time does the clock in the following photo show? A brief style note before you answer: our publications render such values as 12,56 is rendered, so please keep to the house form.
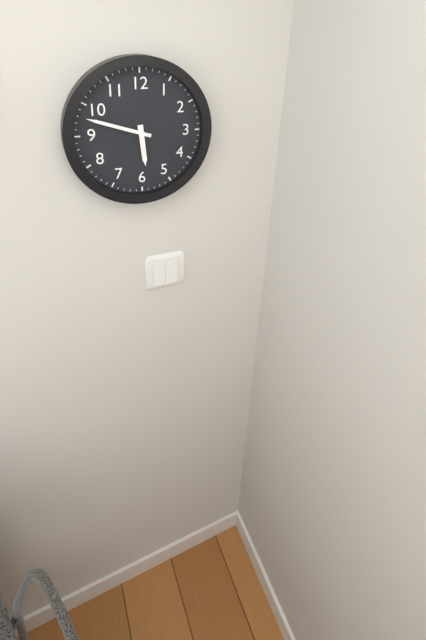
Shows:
5,48
